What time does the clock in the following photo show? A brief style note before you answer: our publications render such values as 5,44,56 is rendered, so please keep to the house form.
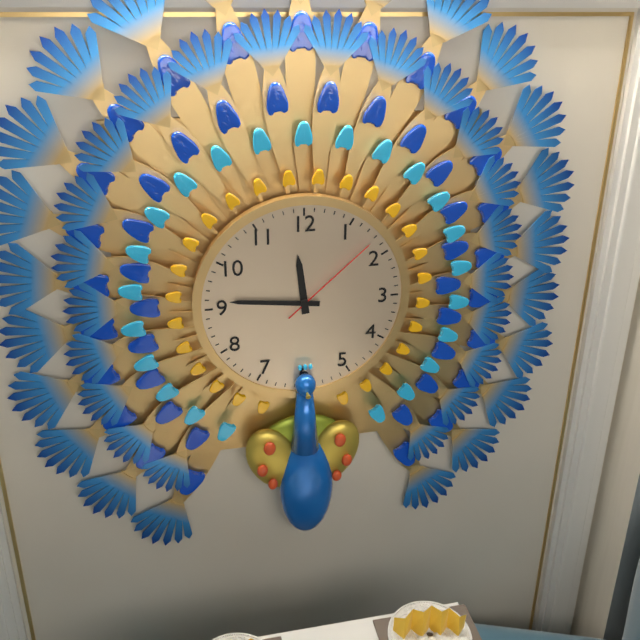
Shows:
11,46,08
